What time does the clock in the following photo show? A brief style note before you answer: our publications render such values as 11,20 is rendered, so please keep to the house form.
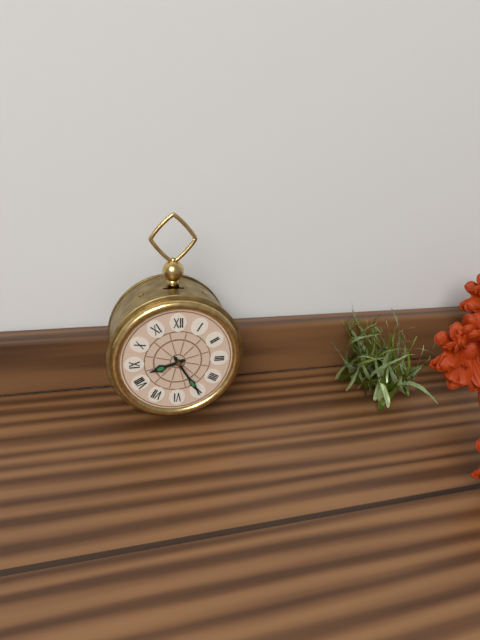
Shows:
8,25
